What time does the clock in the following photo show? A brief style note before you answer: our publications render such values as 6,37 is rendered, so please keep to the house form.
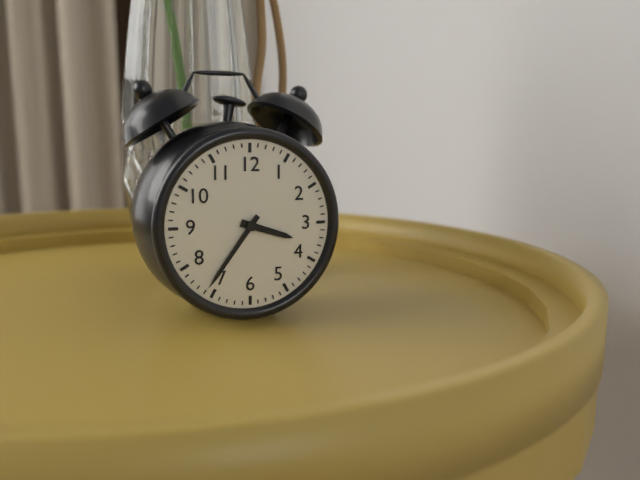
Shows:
3,36
